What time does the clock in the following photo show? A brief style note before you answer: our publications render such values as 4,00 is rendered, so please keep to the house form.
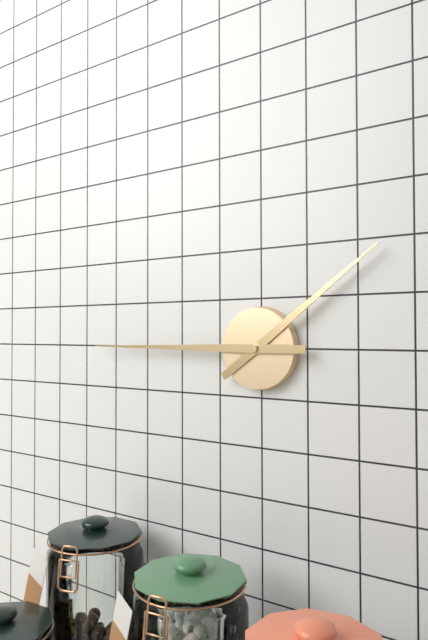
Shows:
1,45
